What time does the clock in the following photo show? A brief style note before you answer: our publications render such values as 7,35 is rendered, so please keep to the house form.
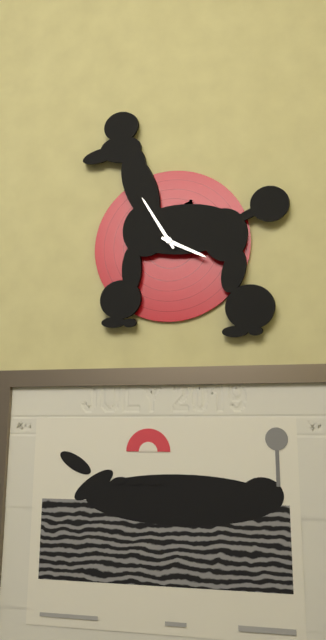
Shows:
3,55
